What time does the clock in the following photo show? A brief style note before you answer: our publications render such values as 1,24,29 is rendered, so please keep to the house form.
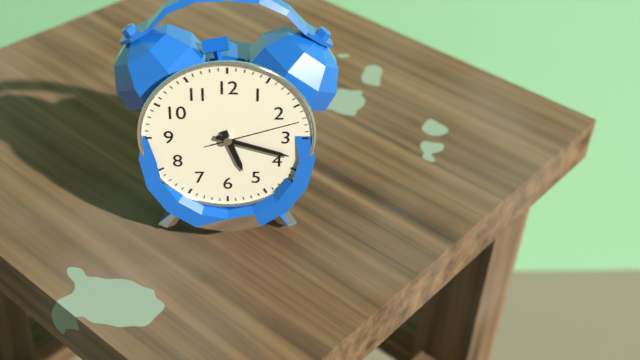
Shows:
5,18,12
